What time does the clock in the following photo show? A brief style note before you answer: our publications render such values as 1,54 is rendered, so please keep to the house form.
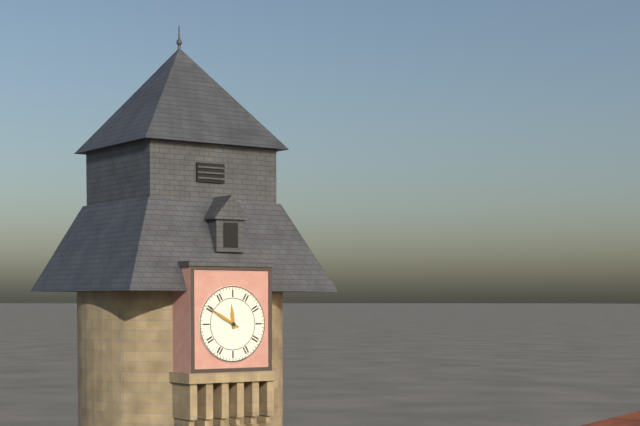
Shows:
11,50
